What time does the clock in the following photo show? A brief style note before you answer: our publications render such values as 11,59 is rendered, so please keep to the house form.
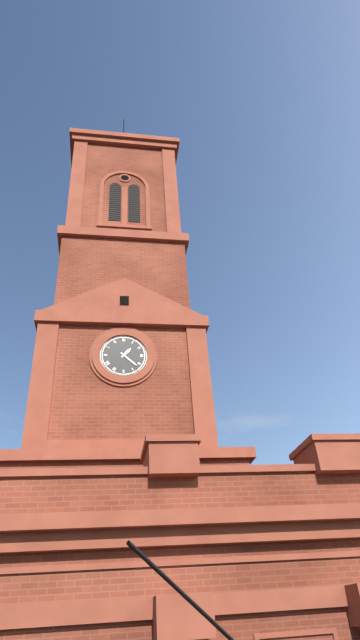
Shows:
1,22
